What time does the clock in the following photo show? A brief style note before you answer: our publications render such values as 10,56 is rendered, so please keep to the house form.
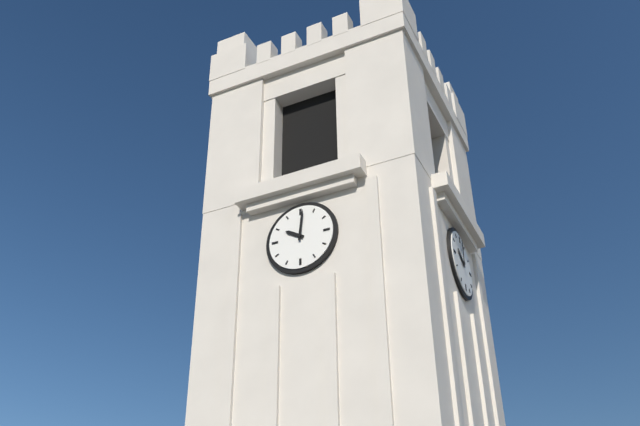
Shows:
10,01
